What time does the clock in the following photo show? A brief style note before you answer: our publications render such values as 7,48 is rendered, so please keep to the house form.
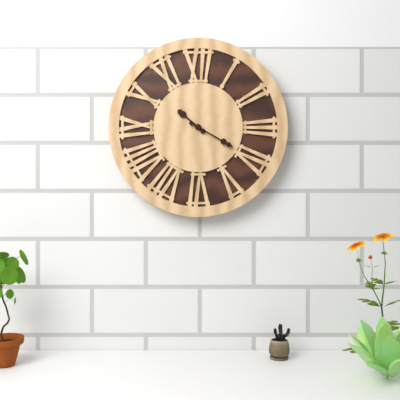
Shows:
10,20
